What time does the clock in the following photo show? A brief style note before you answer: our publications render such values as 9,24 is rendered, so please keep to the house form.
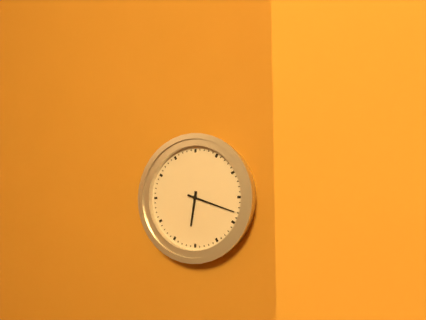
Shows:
6,18
